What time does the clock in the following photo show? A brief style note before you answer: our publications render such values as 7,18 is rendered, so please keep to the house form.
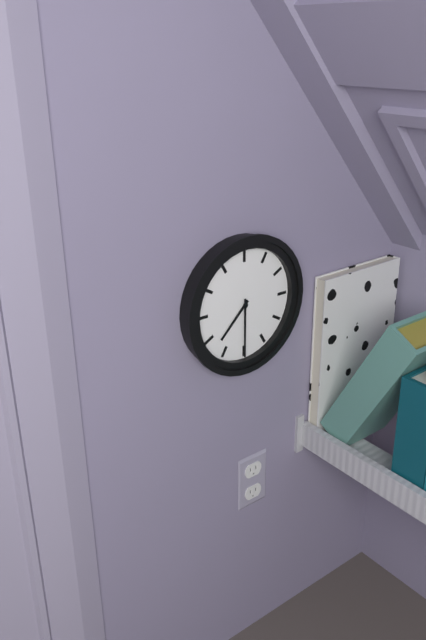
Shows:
7,30
